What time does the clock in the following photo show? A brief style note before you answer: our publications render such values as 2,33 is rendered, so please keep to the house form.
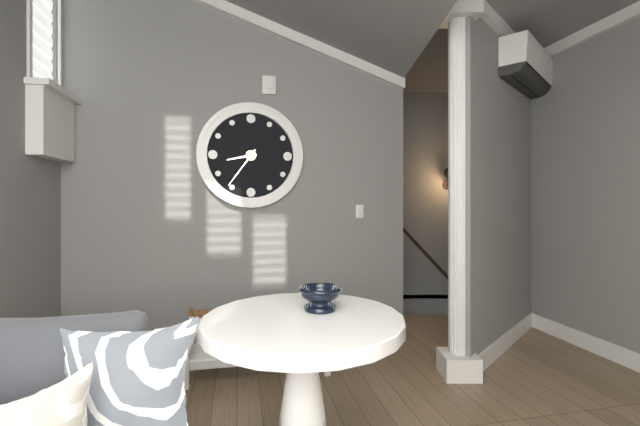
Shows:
8,36
